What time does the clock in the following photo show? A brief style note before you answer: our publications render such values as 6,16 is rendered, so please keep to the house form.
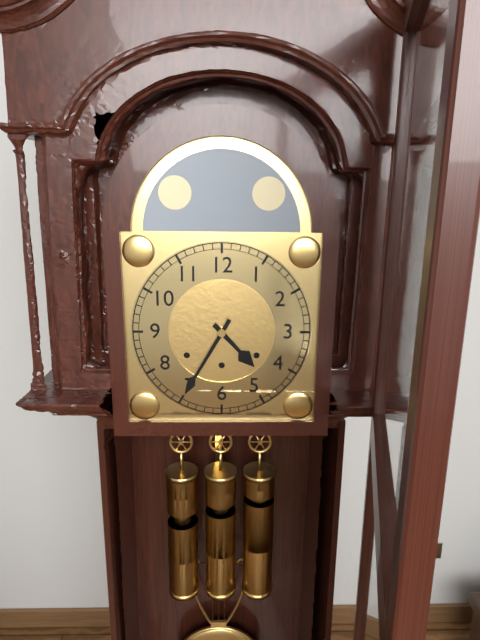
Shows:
4,35
